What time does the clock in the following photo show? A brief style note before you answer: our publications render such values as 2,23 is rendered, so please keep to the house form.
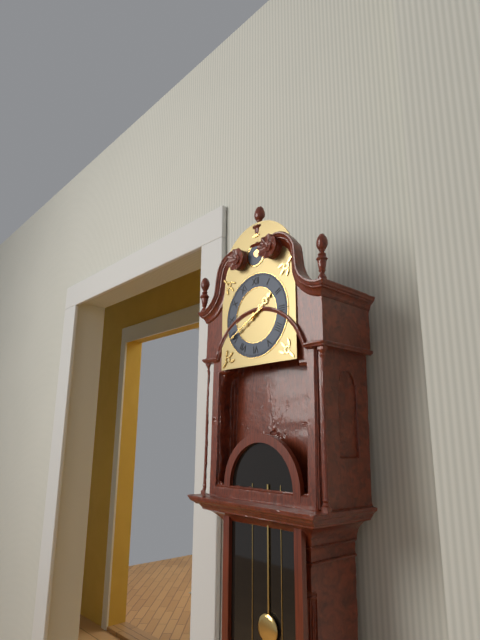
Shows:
1,40
